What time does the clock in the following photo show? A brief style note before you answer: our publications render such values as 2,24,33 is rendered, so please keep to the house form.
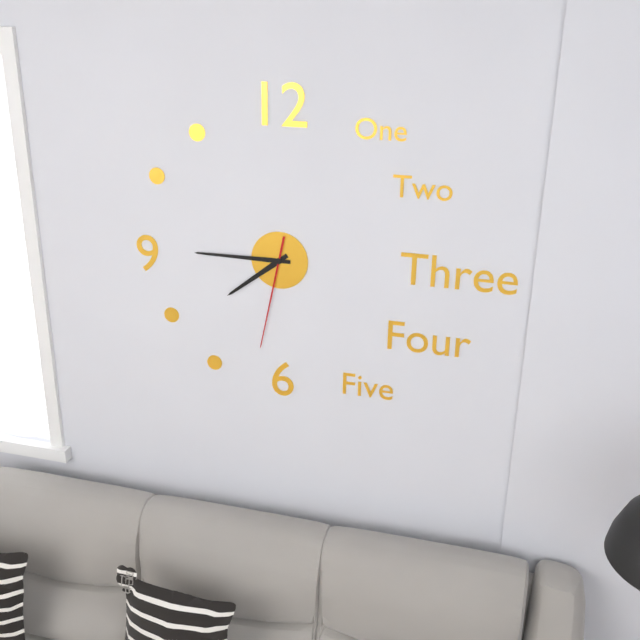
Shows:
7,45,32
